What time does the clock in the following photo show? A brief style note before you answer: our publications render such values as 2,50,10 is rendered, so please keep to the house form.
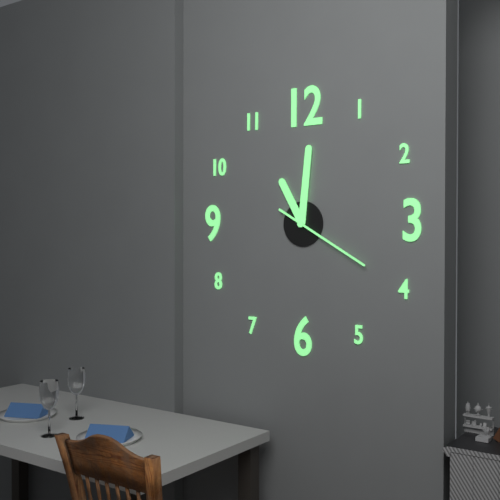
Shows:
11,01,20
